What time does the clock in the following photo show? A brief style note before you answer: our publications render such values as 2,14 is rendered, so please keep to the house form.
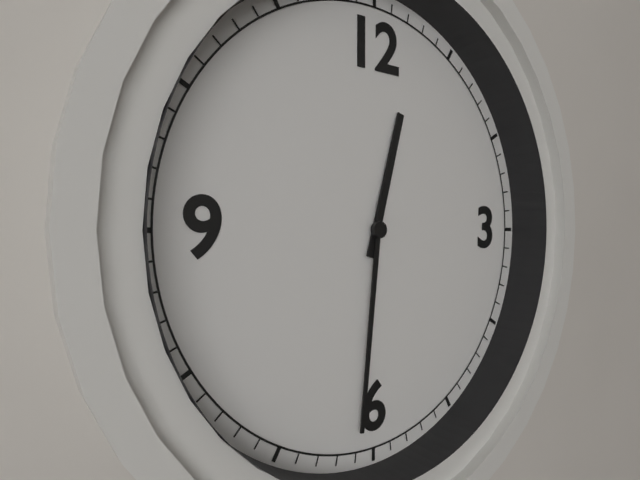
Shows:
12,31
